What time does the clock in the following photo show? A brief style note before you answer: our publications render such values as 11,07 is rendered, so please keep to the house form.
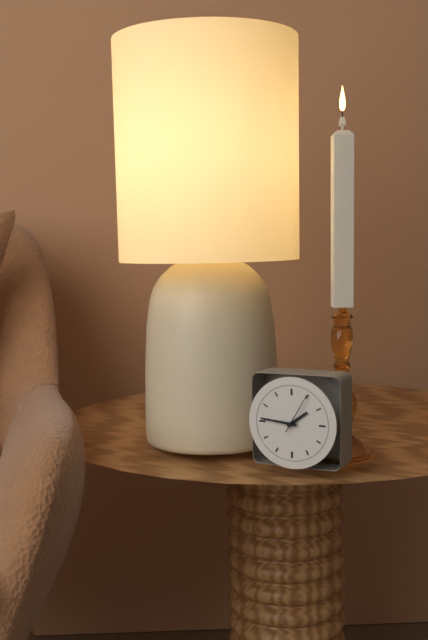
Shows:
1,46
